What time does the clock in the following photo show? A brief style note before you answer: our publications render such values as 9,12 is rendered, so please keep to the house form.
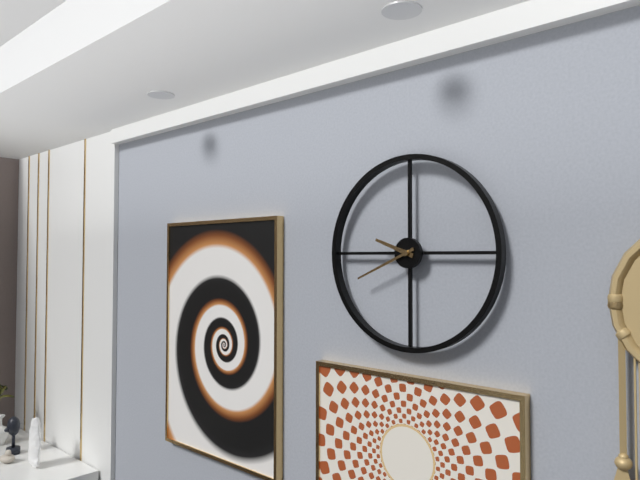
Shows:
9,41
